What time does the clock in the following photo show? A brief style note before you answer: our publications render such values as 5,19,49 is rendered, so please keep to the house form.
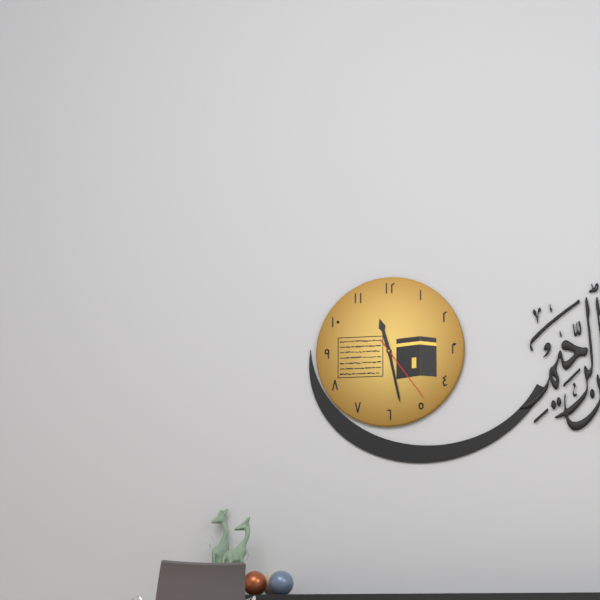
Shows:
11,28,24
